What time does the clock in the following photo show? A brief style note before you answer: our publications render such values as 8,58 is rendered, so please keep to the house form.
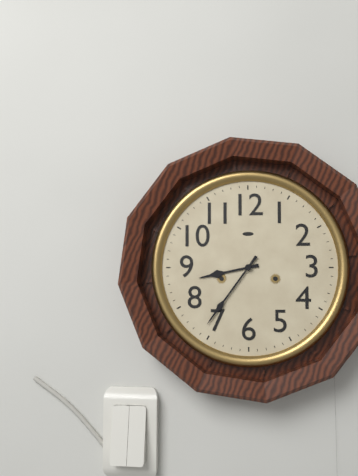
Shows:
8,36
